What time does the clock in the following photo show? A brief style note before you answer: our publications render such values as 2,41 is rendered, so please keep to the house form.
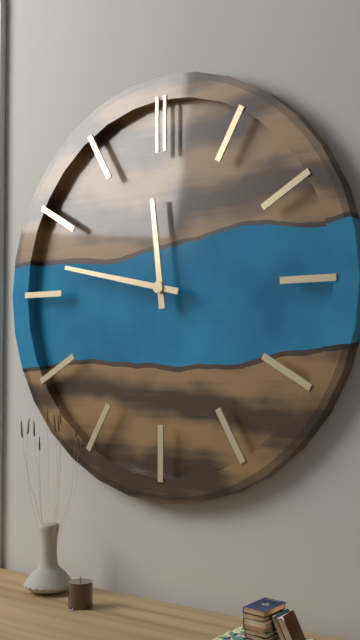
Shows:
11,47
